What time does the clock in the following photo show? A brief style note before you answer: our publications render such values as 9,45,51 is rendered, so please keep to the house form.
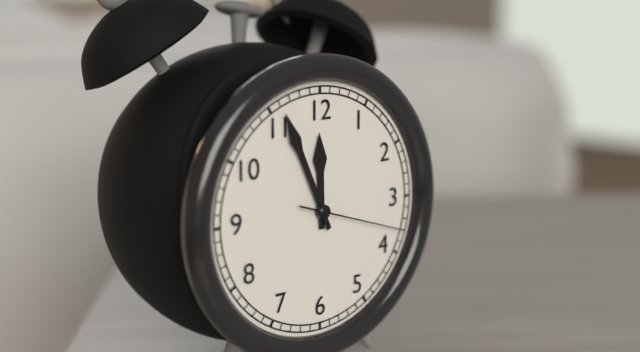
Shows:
11,56,18
